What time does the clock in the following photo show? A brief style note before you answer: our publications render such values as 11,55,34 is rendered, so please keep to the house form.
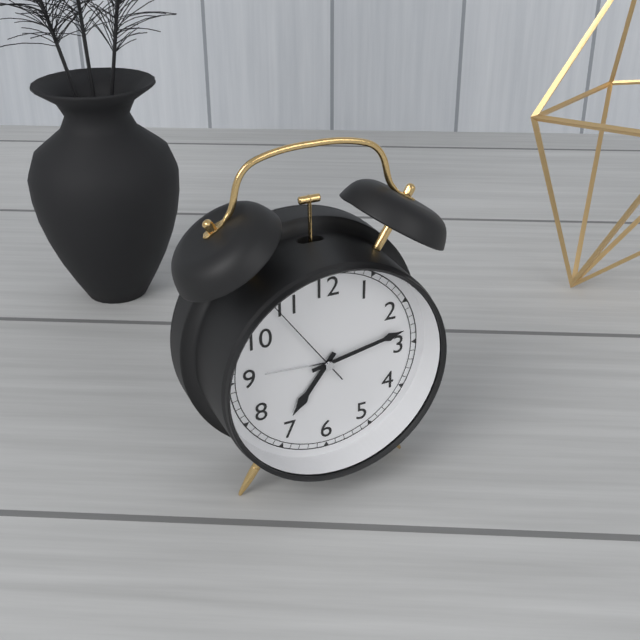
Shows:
7,13,54
